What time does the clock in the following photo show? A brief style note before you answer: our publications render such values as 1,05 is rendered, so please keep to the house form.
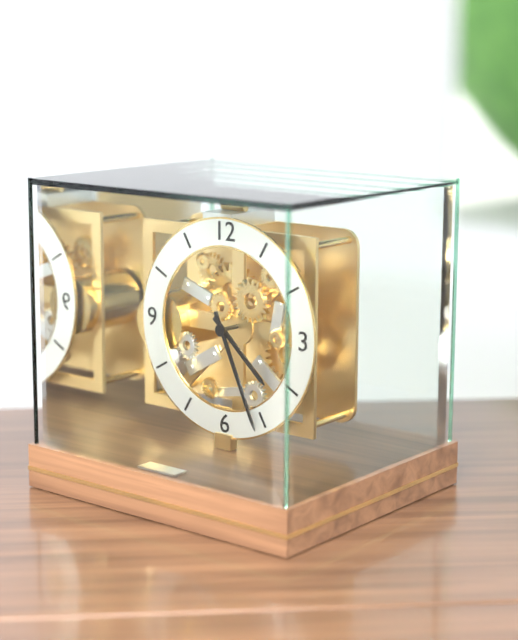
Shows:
4,26
